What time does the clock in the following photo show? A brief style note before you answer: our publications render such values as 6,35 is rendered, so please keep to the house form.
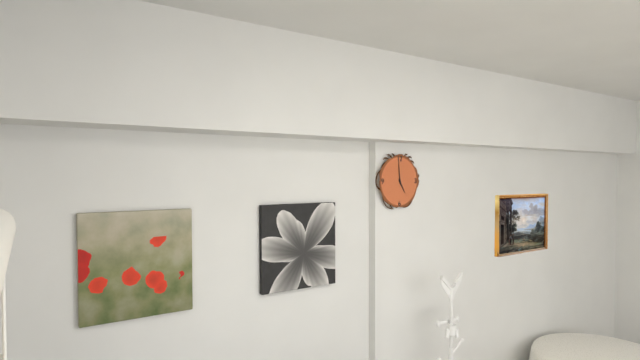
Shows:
4,59
